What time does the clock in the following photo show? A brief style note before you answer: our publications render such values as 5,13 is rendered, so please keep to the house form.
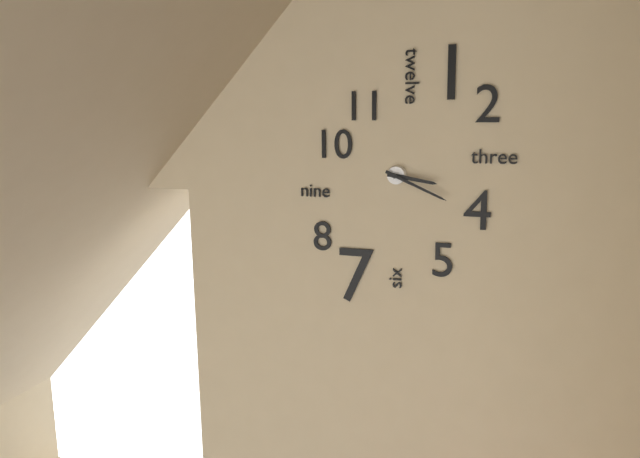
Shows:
3,19
